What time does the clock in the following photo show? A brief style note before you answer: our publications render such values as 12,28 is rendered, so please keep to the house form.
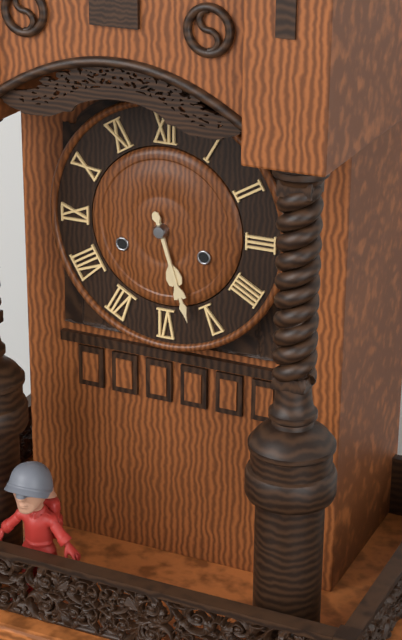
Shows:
5,27
